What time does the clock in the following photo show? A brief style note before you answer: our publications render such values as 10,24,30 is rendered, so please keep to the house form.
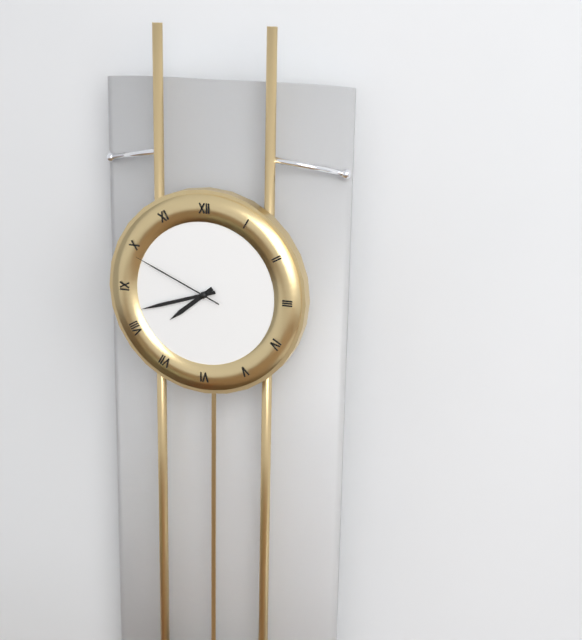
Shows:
7,42,49
